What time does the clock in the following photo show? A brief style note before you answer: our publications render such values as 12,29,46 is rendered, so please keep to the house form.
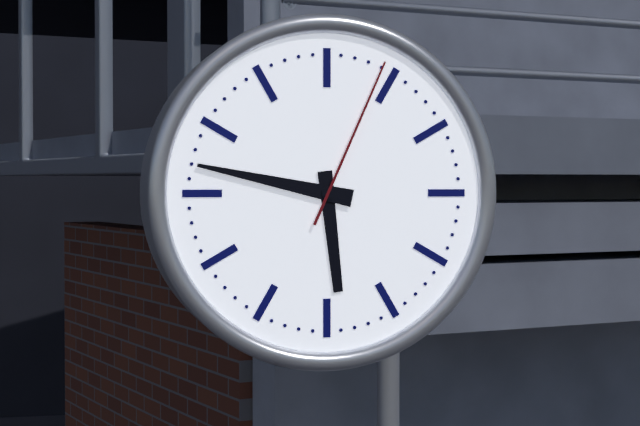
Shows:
5,47,04
